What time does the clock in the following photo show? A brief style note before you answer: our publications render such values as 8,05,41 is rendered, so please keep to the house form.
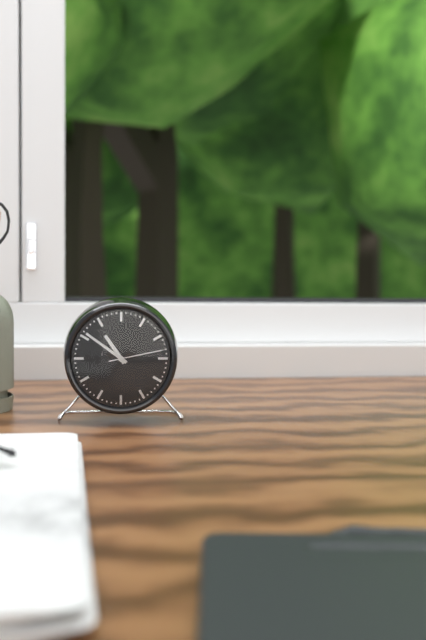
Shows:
10,51,13
